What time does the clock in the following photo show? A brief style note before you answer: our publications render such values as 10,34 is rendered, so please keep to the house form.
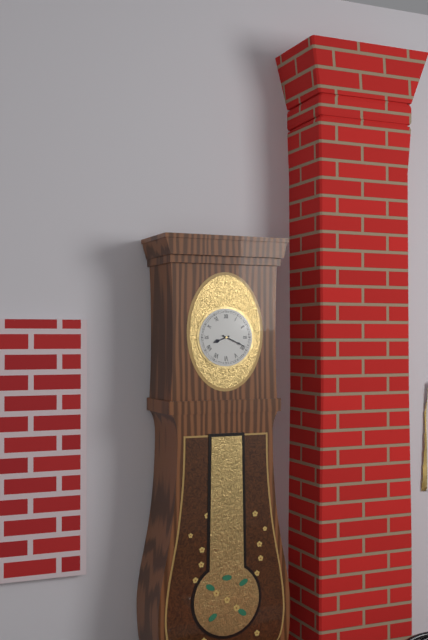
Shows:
8,19
